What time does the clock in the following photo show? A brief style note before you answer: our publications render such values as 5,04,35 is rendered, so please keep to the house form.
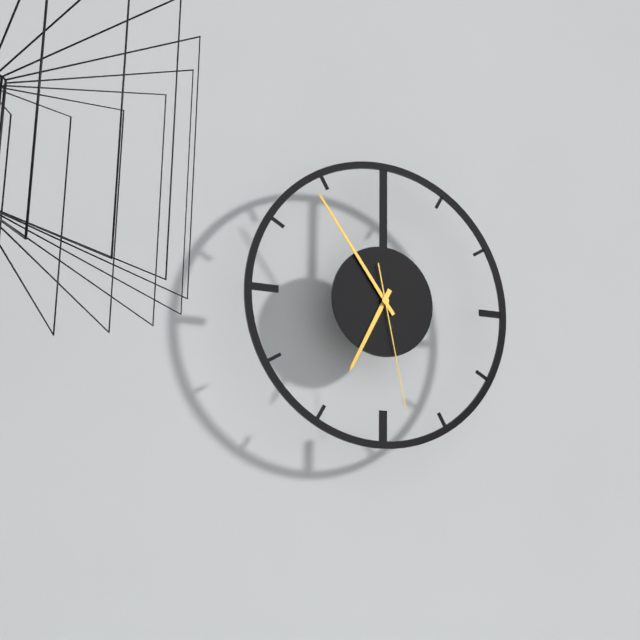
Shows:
6,54,28
